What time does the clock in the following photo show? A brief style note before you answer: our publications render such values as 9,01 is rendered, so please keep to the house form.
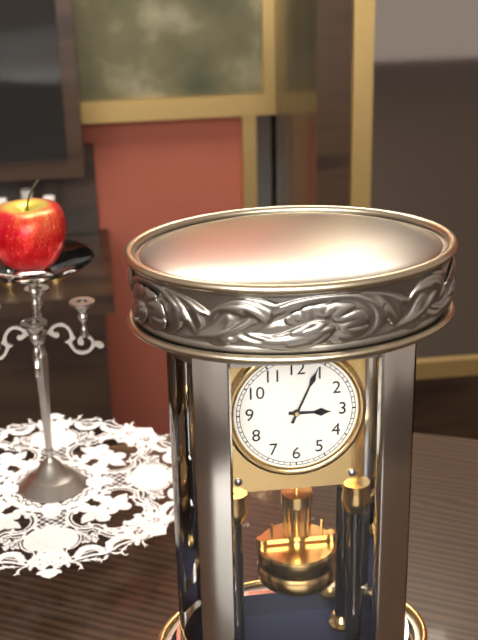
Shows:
3,04
